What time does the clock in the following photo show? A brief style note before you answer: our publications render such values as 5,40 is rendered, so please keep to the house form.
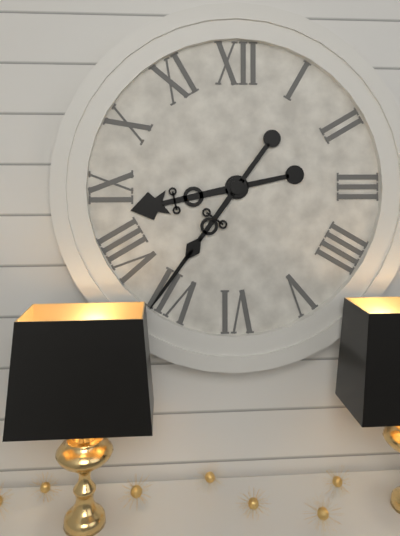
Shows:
8,36
